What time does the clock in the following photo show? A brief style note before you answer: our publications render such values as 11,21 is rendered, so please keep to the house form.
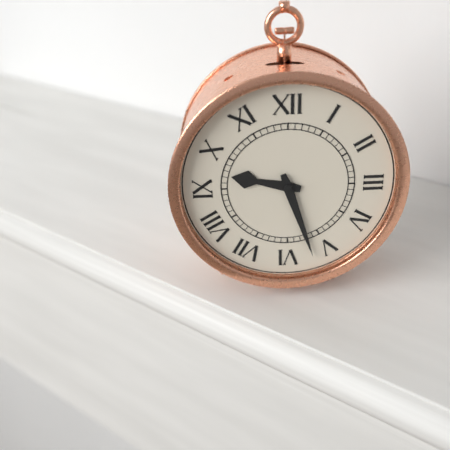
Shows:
9,27
